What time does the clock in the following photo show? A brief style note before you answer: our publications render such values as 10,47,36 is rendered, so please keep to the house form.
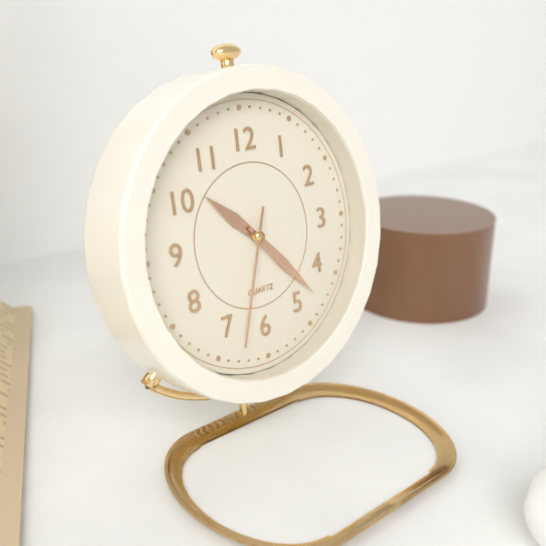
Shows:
10,23,33
